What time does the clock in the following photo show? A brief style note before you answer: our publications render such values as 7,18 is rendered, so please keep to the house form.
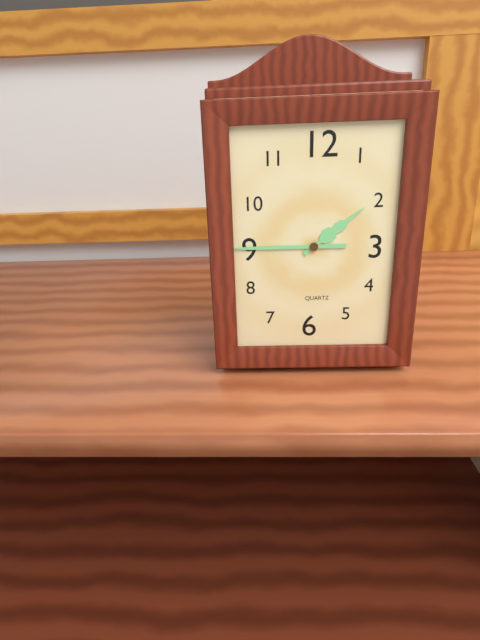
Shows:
1,45
